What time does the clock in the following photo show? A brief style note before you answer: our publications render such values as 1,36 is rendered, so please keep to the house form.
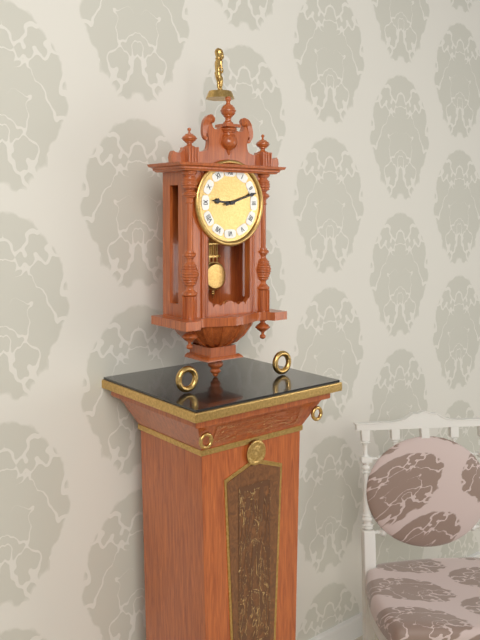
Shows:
9,12
